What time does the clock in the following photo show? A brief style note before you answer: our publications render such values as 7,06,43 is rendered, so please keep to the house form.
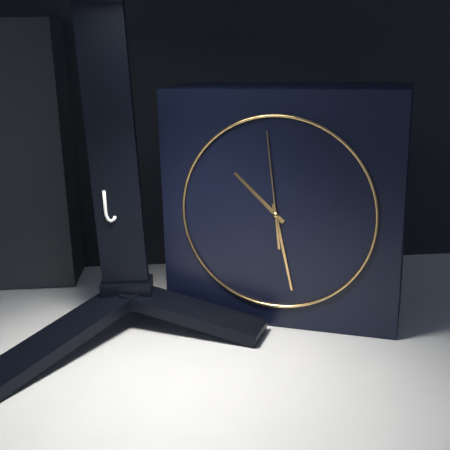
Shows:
10,28,59
